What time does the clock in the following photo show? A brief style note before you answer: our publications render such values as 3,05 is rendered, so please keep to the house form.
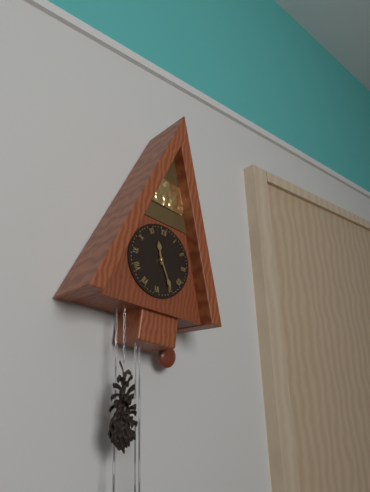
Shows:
11,25
